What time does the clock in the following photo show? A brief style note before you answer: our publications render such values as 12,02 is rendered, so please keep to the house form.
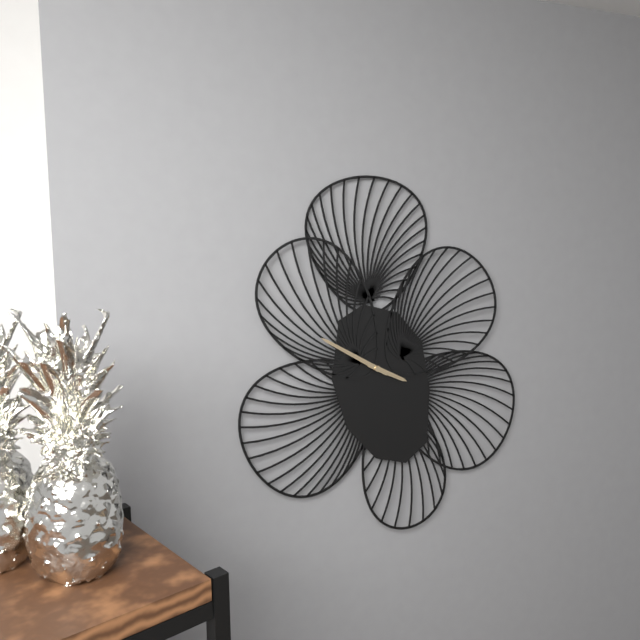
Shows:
3,50
